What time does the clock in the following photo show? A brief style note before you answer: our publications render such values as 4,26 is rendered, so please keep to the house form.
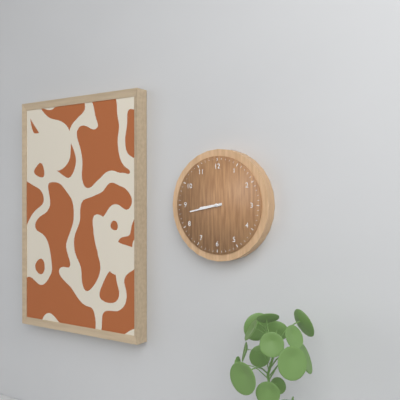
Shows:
8,43
